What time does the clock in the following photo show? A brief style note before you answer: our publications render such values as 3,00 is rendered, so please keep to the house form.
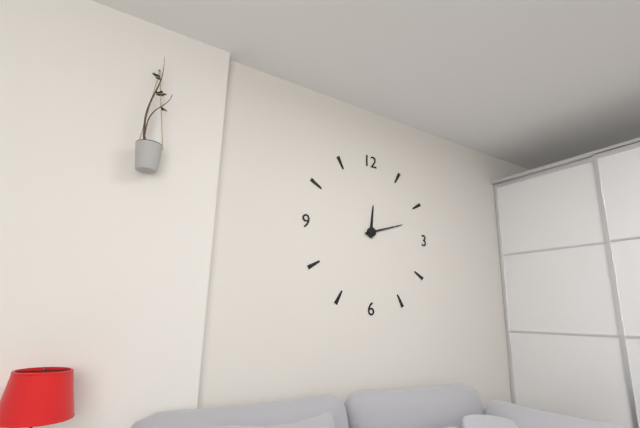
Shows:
12,12
